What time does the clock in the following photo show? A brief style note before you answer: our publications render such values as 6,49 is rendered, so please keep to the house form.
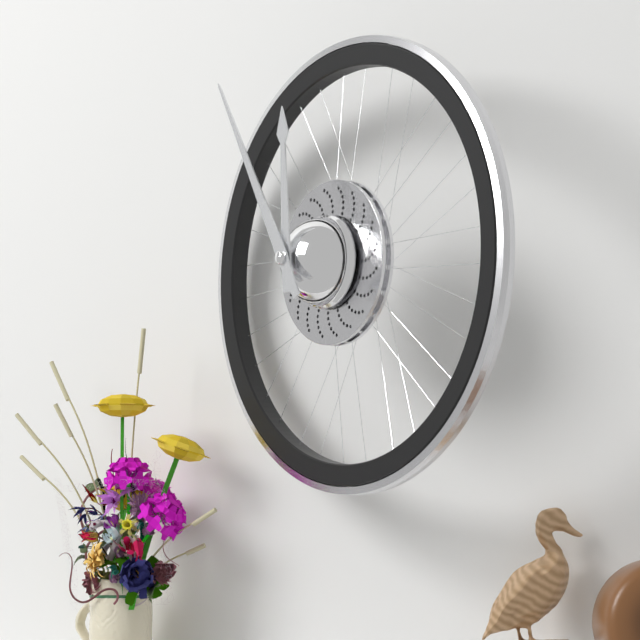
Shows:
11,55
